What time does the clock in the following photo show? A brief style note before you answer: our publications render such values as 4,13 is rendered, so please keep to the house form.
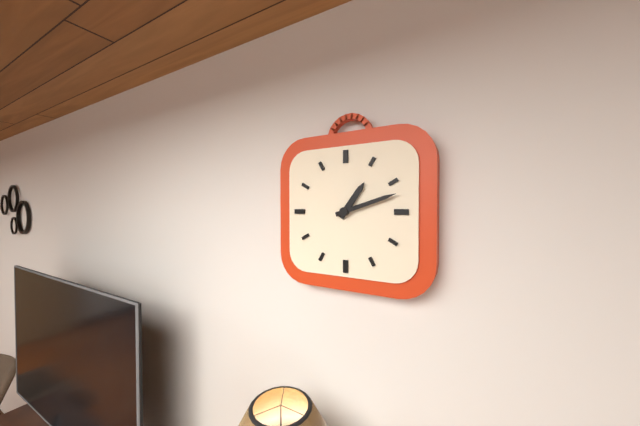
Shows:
1,12
